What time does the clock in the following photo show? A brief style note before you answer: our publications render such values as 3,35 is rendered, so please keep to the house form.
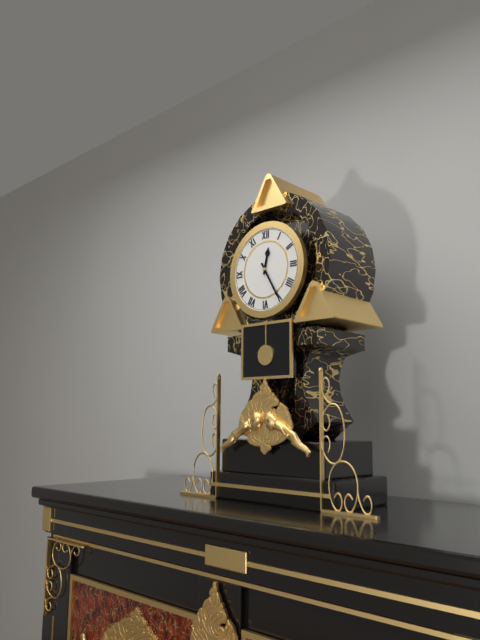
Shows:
12,25
